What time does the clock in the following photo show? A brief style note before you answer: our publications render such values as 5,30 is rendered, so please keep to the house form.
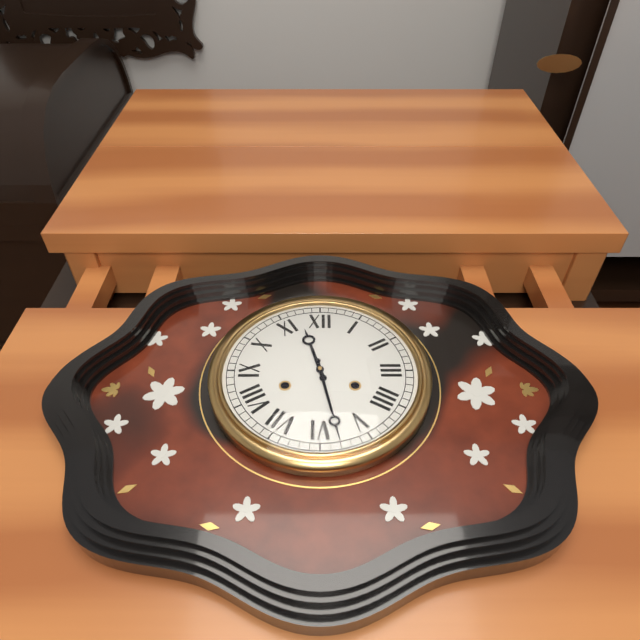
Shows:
11,28
